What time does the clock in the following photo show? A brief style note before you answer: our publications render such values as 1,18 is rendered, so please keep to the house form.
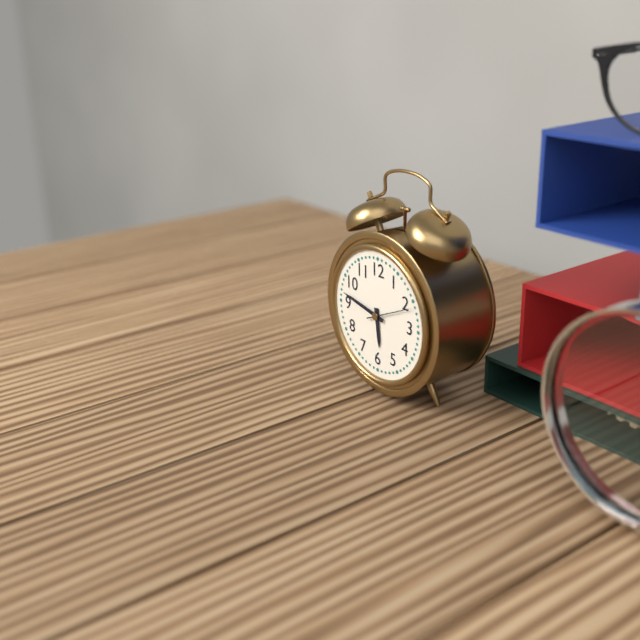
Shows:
5,47
